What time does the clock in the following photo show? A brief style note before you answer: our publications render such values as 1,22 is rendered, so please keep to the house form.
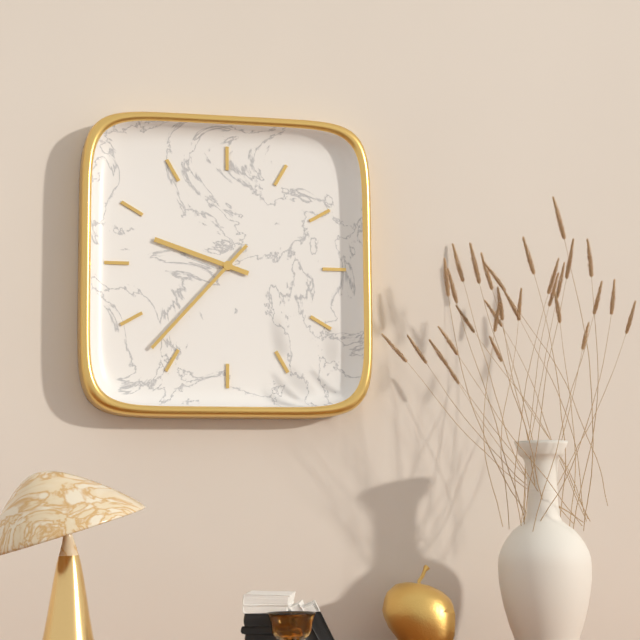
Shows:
9,37
